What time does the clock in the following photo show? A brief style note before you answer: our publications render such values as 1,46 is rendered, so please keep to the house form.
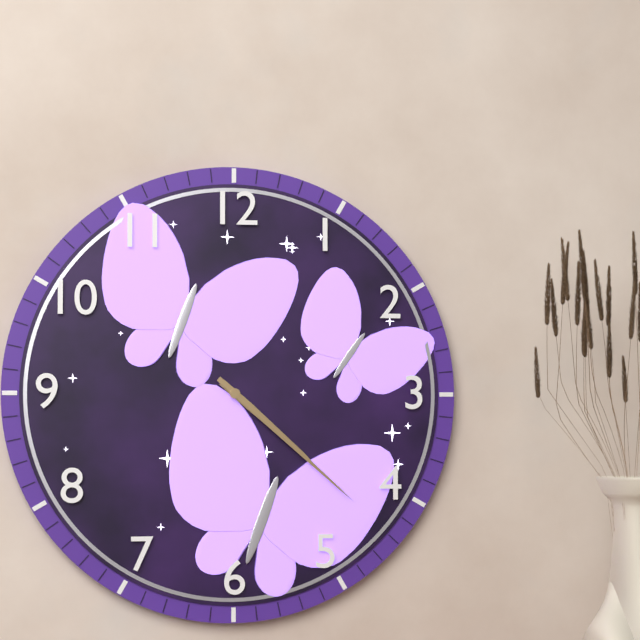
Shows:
4,22
